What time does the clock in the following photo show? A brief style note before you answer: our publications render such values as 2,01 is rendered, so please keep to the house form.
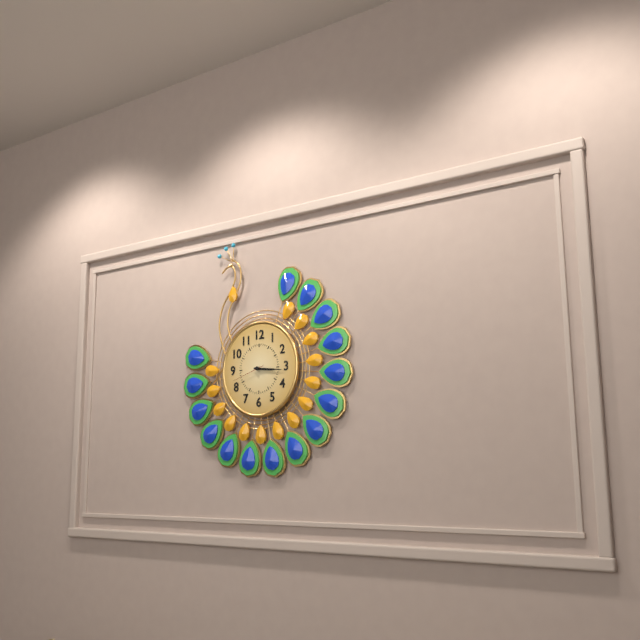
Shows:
3,16
